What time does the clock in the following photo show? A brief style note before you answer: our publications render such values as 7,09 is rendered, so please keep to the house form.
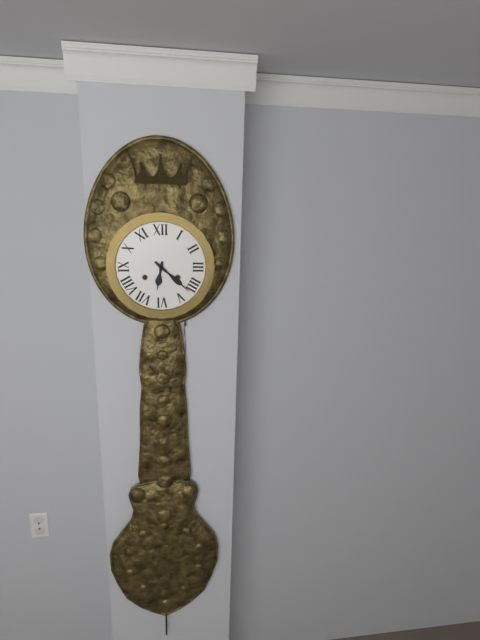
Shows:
6,22
